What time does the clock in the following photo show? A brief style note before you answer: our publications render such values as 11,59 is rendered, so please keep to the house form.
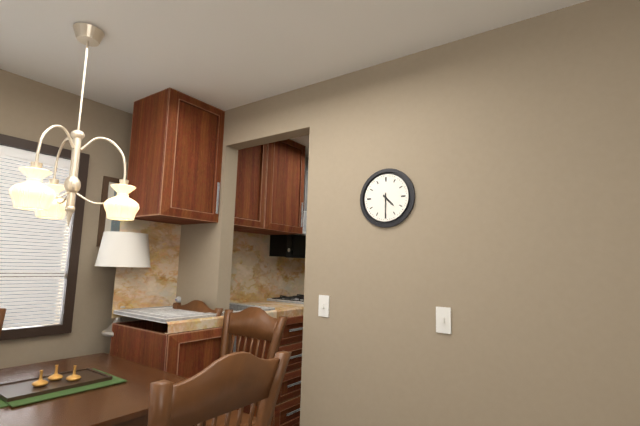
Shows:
4,30
